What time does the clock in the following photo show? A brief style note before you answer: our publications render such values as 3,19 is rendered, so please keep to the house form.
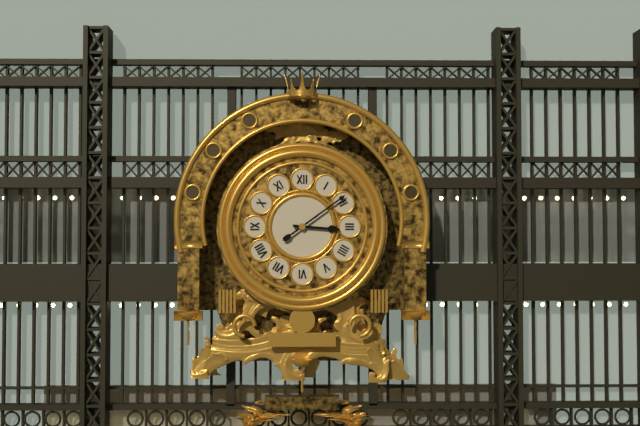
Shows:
3,09
